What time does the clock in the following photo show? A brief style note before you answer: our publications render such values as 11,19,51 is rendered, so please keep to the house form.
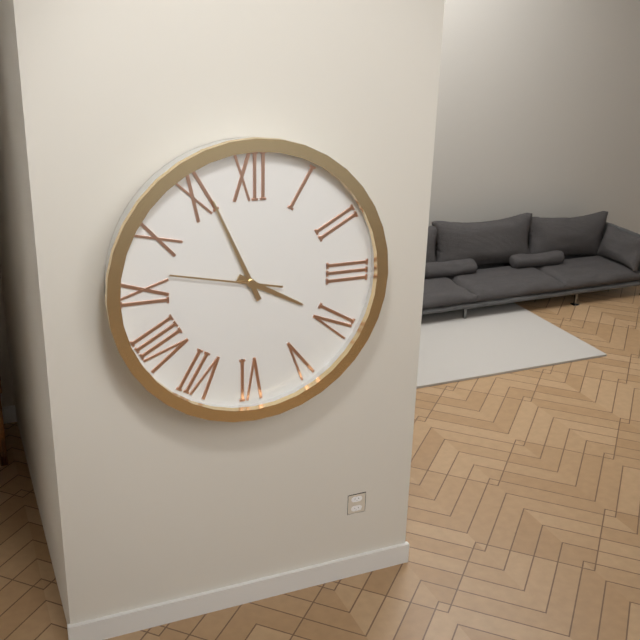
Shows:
3,56,47
